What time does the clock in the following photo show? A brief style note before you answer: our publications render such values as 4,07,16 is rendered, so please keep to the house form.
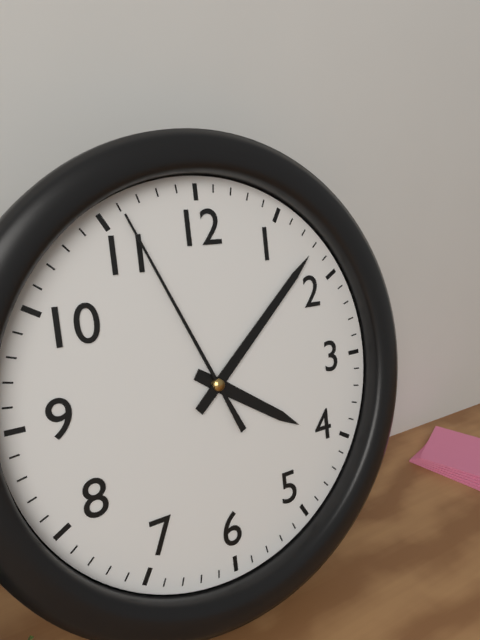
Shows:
4,08,56
